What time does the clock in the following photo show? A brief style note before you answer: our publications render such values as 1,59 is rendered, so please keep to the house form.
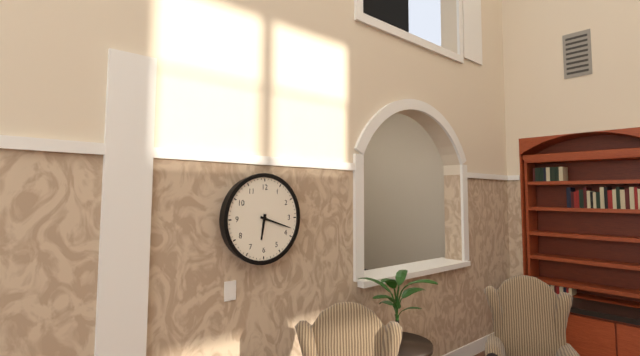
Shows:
6,18
